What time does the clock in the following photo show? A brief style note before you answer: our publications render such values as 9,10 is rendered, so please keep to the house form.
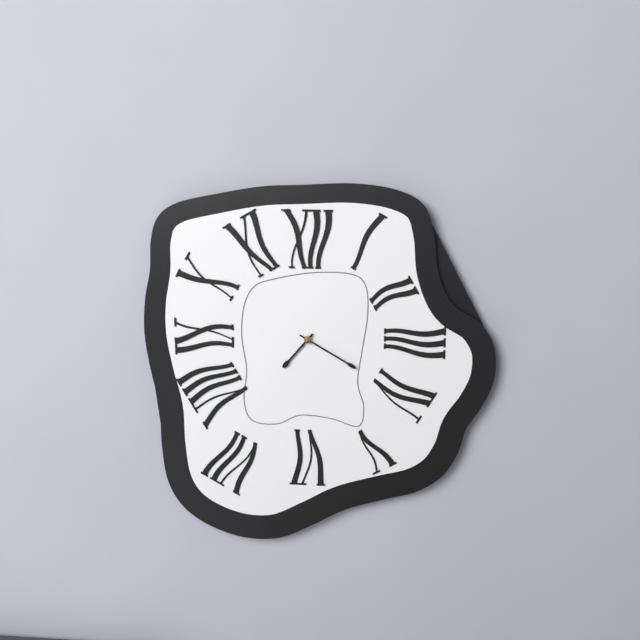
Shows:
7,20
